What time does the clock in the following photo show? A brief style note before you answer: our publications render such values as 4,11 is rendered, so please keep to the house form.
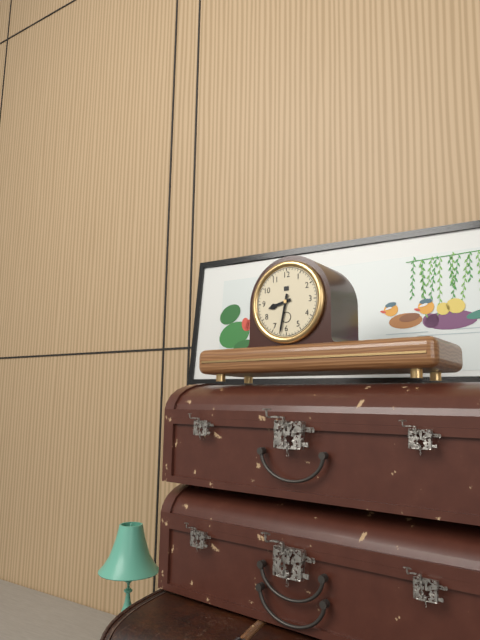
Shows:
8,32
